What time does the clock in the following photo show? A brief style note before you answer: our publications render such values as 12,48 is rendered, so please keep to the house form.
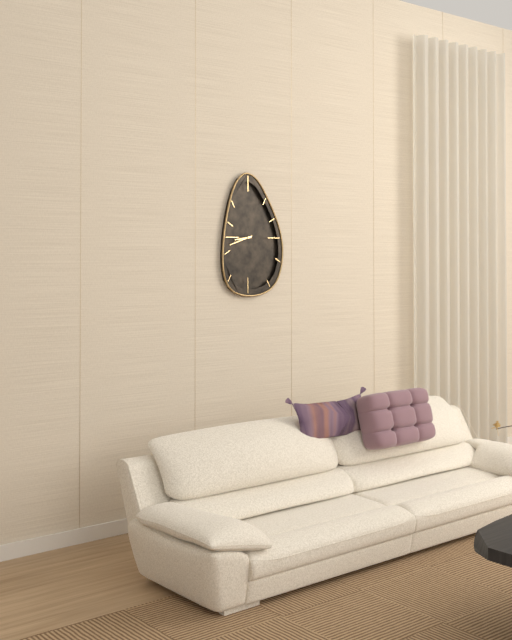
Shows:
8,42
